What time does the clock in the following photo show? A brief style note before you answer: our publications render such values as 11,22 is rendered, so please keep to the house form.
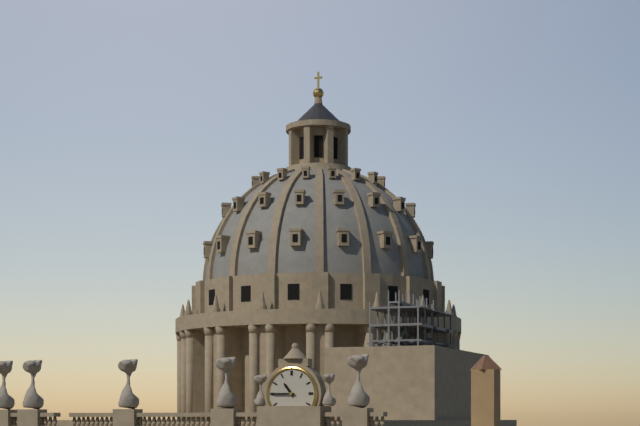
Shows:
10,45
